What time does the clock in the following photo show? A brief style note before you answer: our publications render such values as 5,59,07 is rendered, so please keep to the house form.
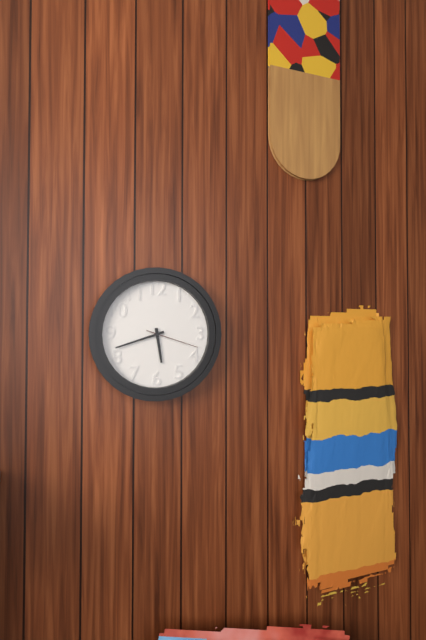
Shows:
5,42,18
